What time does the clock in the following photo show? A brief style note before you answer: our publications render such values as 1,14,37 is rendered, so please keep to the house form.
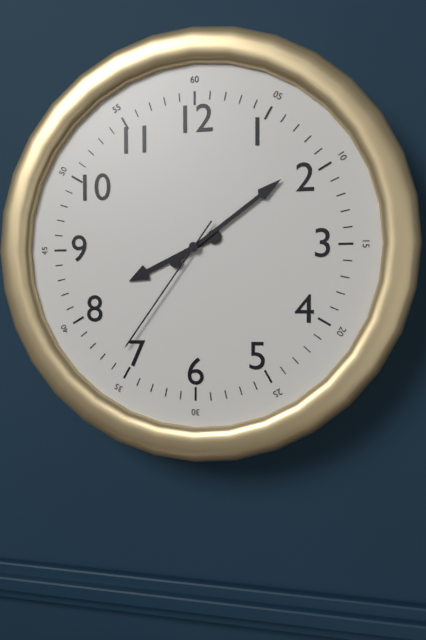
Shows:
8,09,36
